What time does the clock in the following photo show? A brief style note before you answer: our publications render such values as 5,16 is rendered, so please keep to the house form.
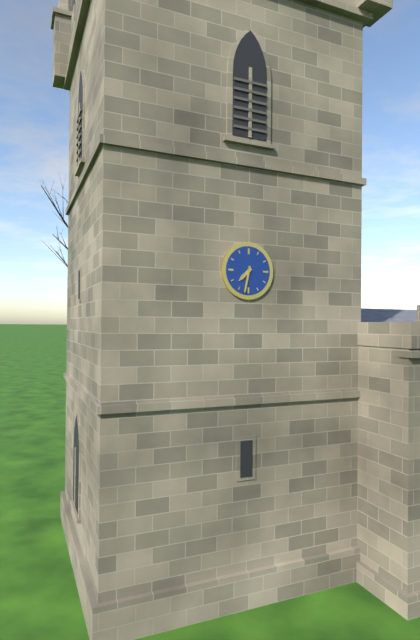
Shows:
7,32
